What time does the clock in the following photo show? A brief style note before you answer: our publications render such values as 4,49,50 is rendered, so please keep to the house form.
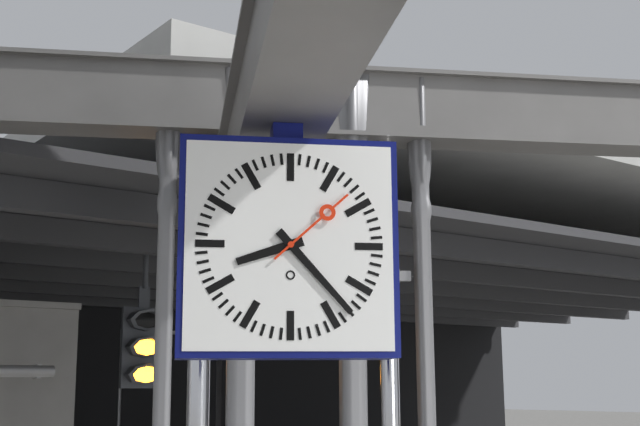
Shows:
8,23,08
